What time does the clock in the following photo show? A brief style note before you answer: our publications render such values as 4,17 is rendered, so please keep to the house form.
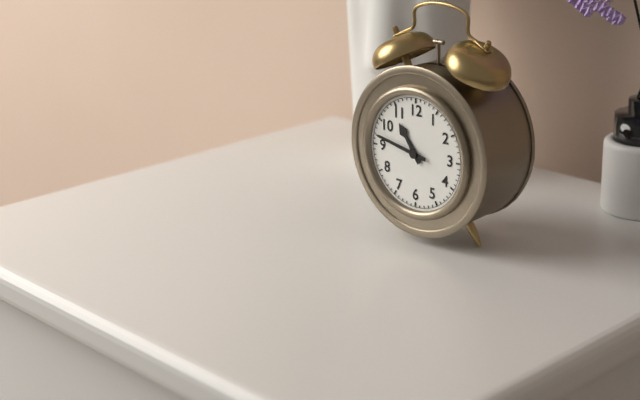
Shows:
10,47
